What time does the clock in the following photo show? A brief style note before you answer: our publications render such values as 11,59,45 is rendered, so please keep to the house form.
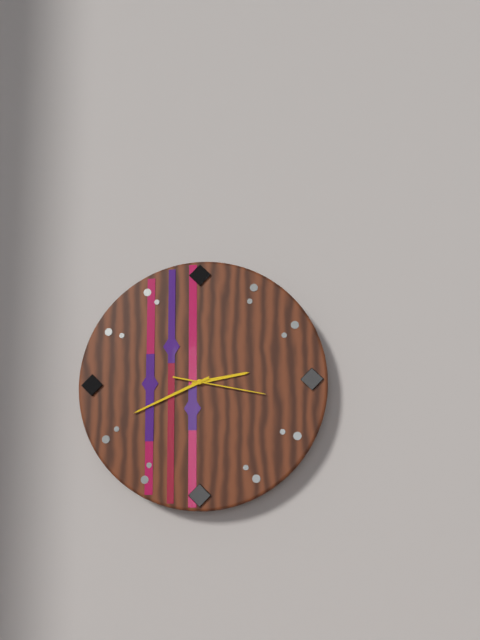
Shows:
2,41,17
